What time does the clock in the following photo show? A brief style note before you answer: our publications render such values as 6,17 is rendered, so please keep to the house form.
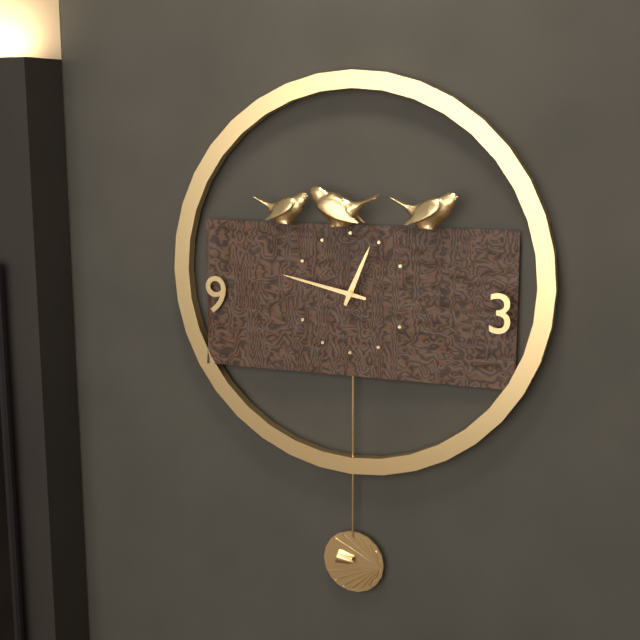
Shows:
12,47
